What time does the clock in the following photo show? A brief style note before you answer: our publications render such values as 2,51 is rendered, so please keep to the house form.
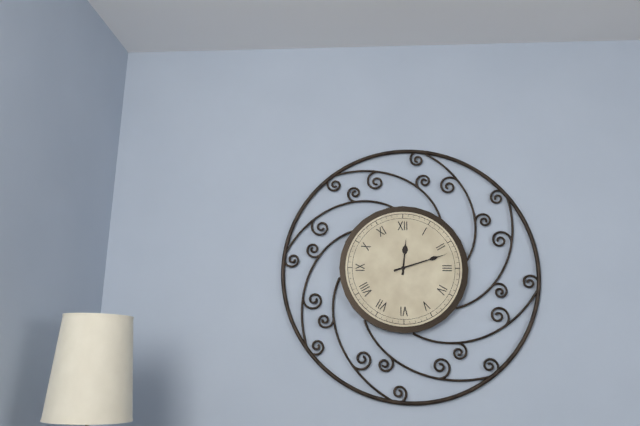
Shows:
12,12
